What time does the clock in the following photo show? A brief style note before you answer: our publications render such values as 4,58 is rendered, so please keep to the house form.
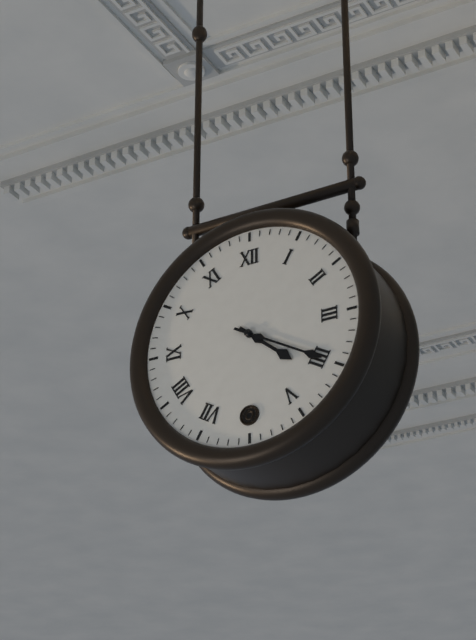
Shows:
4,20
